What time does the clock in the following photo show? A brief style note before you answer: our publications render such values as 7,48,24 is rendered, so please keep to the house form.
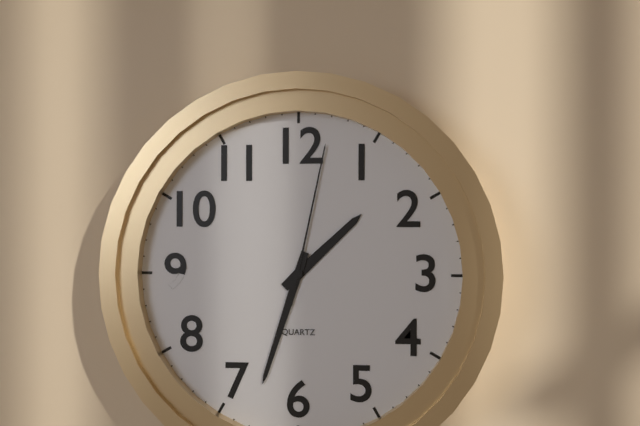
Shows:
1,33,02
